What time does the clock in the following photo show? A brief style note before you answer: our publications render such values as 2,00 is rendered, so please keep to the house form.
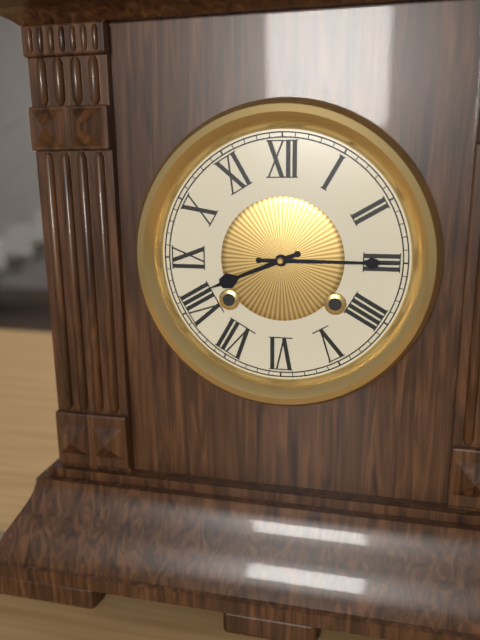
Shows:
8,15
